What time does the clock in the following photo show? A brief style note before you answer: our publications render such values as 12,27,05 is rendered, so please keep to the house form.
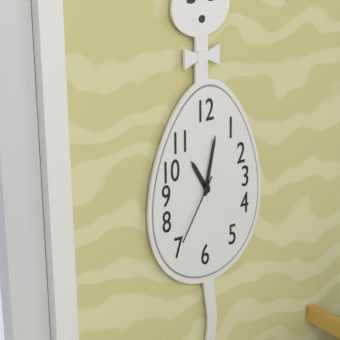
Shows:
11,02,35
